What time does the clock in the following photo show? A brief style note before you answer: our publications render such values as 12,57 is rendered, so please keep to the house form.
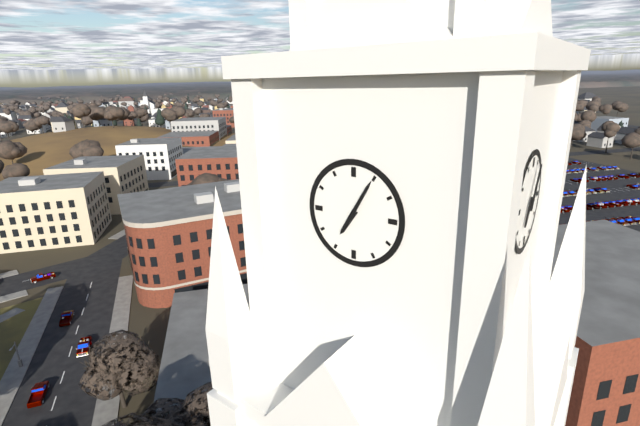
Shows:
7,05
